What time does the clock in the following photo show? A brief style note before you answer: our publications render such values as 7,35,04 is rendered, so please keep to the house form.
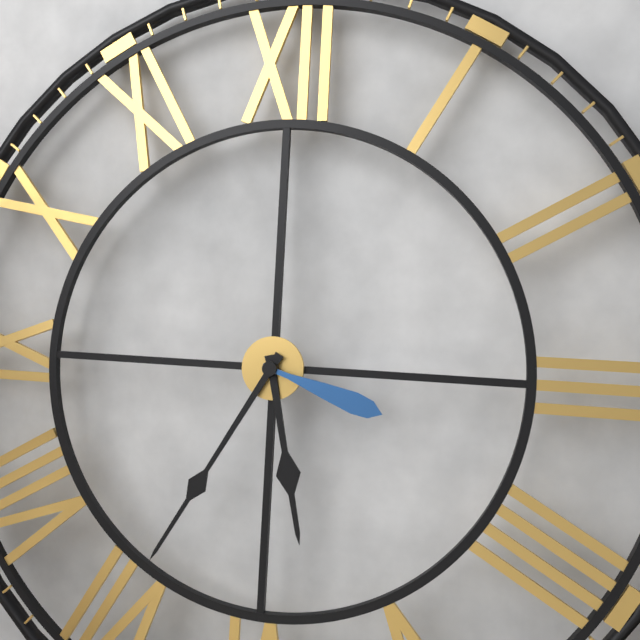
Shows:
5,35,18
